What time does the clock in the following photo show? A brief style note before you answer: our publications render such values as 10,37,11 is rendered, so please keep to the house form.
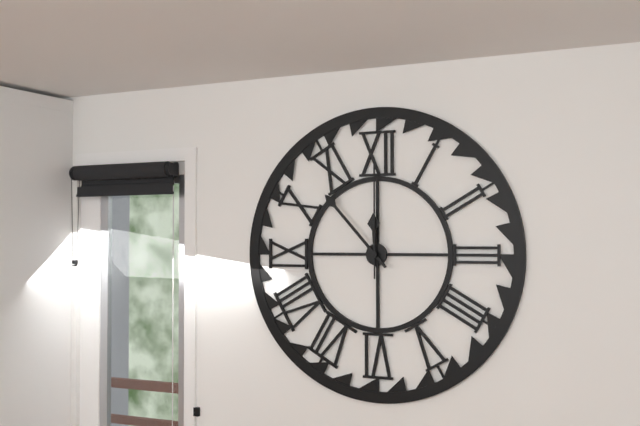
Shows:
11,53,00
